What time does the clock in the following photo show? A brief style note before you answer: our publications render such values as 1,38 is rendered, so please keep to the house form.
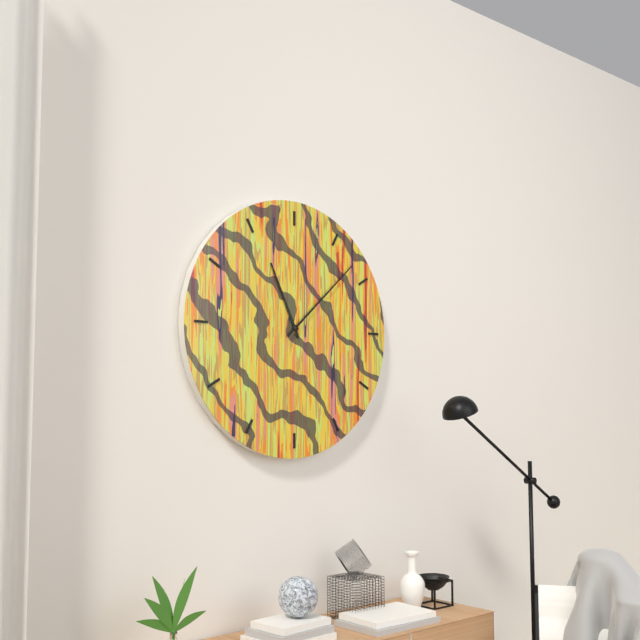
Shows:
11,08
